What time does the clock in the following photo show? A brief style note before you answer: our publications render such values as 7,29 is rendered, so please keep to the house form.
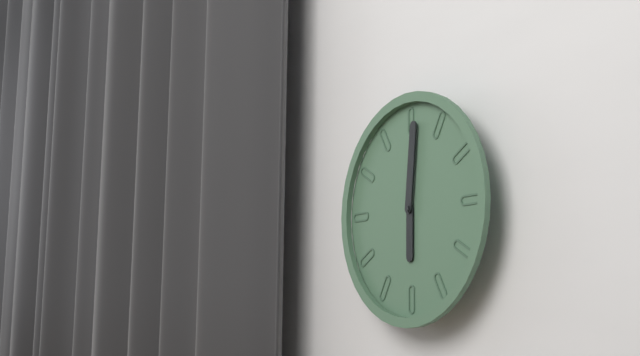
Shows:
6,01
